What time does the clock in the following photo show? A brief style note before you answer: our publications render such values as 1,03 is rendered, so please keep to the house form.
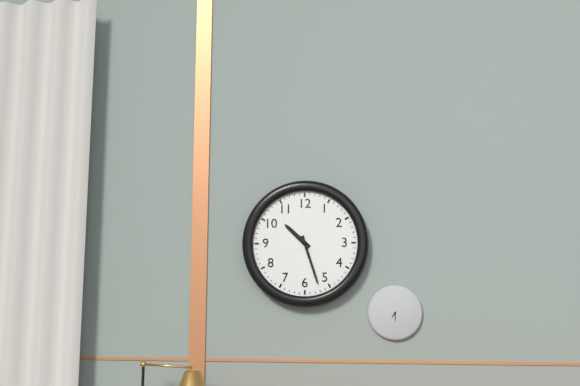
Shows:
10,27
